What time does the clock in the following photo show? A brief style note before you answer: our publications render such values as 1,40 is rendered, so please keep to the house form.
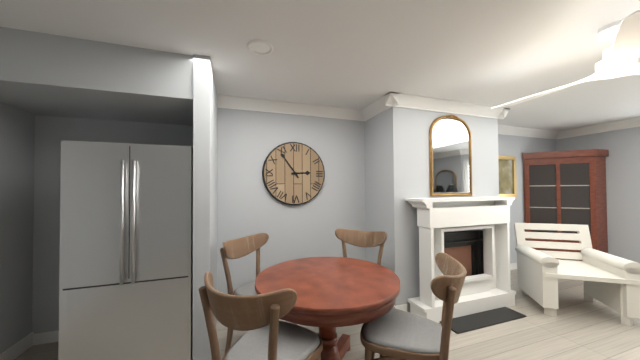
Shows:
2,54
